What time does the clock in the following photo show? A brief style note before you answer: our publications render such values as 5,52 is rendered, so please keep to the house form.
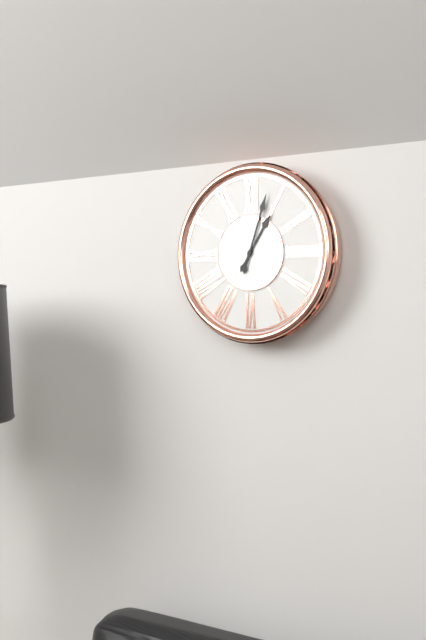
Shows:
1,03
